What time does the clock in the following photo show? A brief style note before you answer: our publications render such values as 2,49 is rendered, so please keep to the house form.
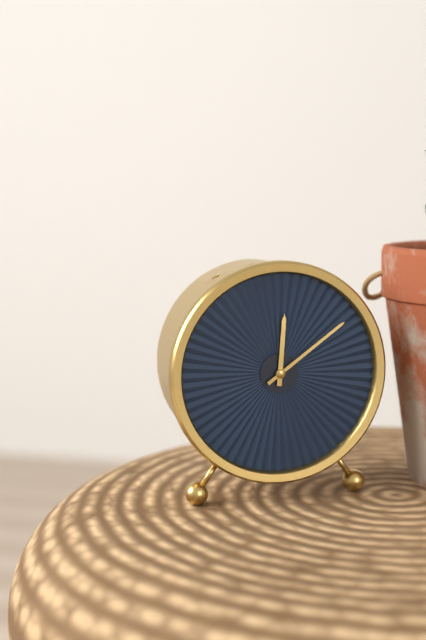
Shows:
12,09
